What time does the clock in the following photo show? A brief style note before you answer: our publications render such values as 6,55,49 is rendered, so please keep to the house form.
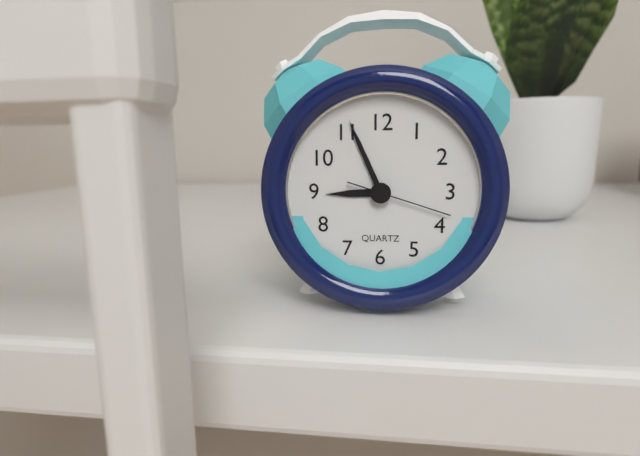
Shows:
8,56,18
